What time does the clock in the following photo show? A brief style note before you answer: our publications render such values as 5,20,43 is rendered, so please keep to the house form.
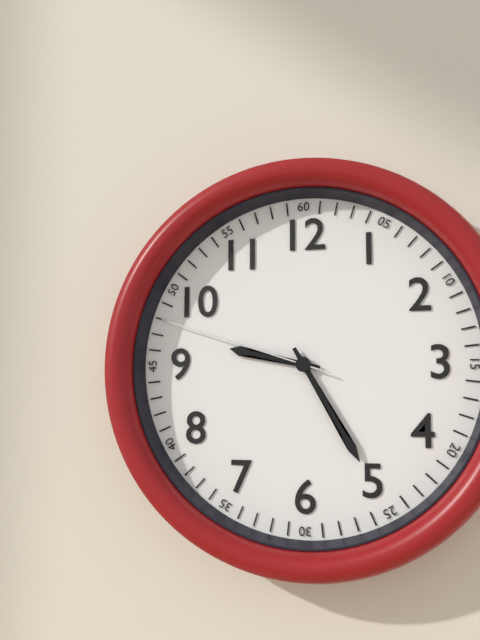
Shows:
9,25,48
